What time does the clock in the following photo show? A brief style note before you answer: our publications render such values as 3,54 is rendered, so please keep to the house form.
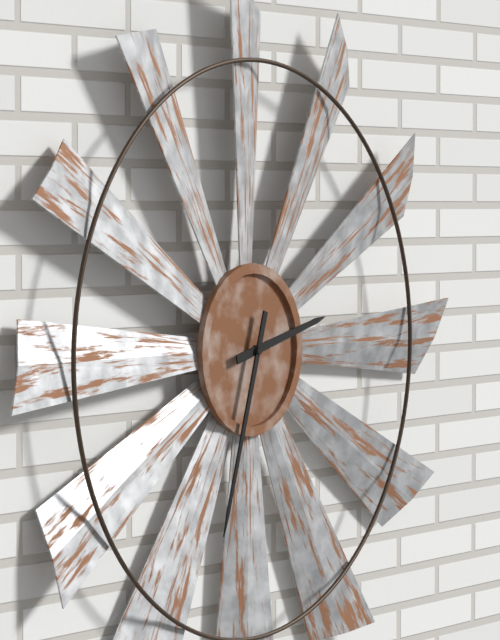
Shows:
2,33
